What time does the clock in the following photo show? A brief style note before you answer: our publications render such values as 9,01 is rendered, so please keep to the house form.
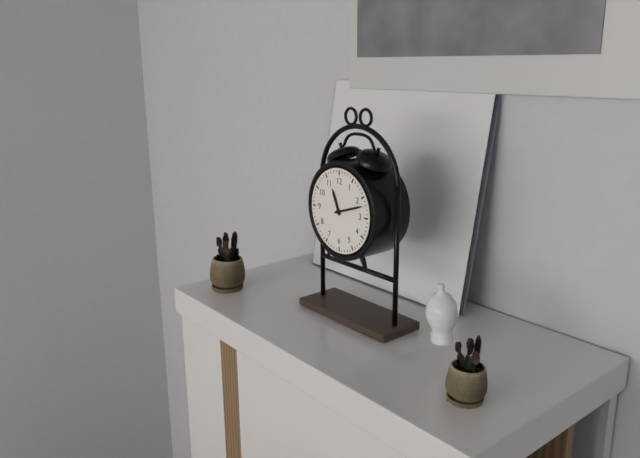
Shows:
11,12
